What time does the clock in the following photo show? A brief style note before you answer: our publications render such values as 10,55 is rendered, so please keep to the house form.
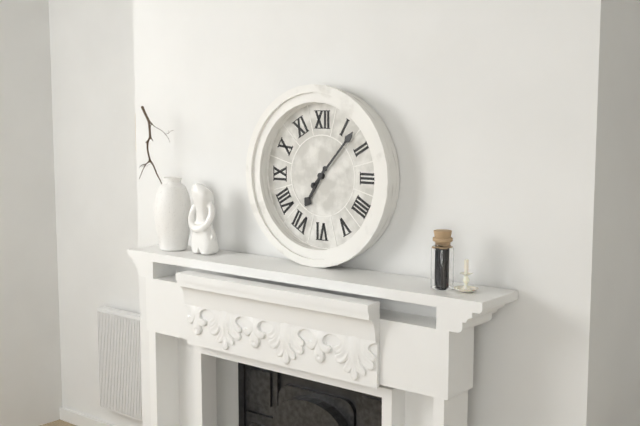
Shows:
7,07
